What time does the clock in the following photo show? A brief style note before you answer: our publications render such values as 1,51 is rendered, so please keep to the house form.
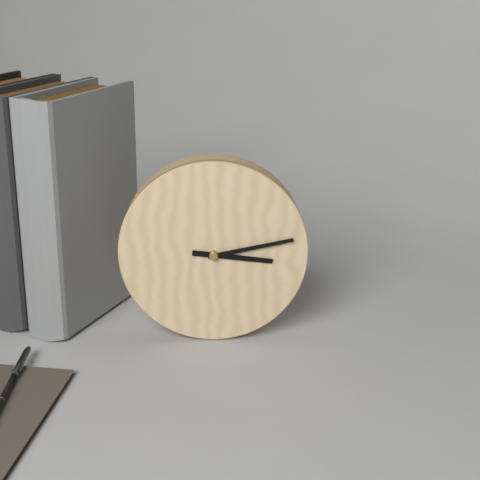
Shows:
3,13
